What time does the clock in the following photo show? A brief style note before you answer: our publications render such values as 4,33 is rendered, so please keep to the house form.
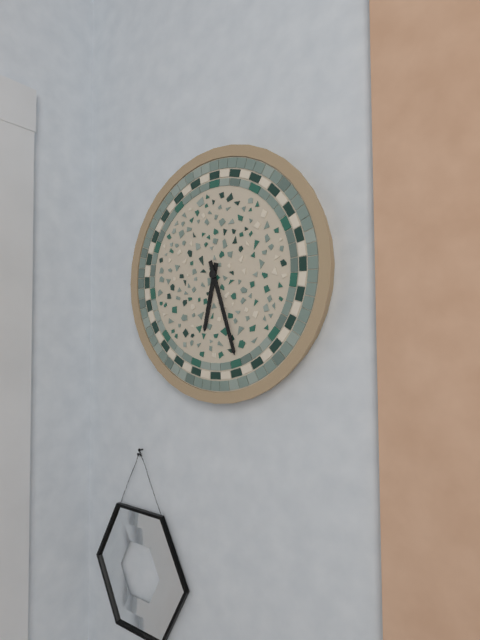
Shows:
6,27
